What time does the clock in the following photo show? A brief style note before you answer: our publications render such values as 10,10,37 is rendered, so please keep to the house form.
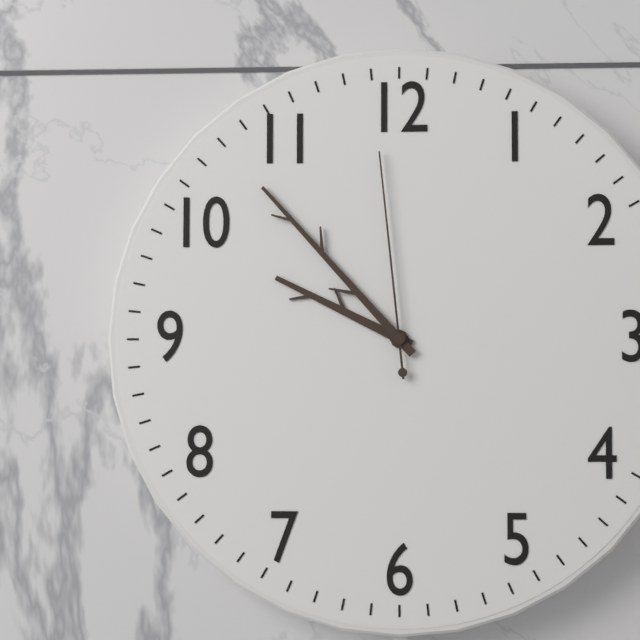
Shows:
9,53,59
